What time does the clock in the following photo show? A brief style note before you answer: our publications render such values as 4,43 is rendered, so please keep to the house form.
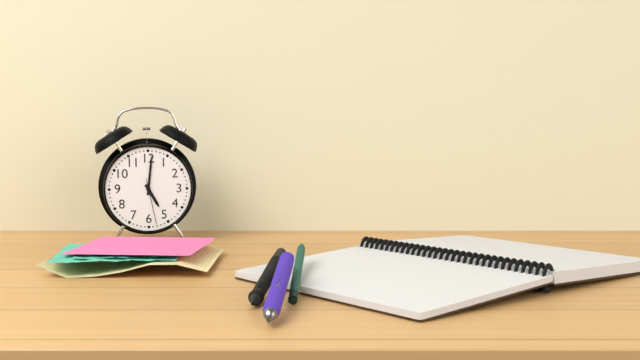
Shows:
5,01
